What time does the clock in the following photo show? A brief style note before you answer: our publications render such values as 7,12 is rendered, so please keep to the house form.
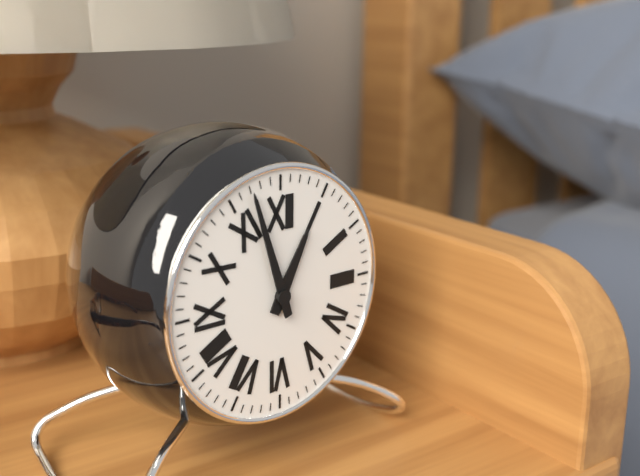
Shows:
12,57
